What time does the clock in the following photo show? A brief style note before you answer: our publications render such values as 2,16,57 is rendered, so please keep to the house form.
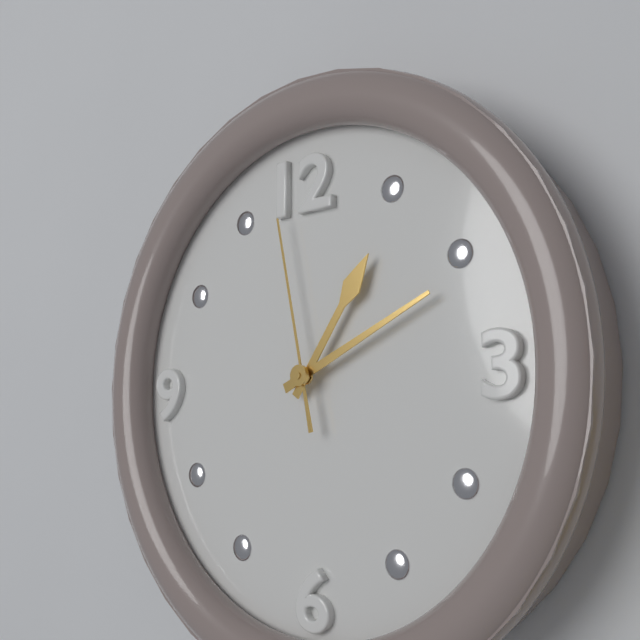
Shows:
1,11,58
